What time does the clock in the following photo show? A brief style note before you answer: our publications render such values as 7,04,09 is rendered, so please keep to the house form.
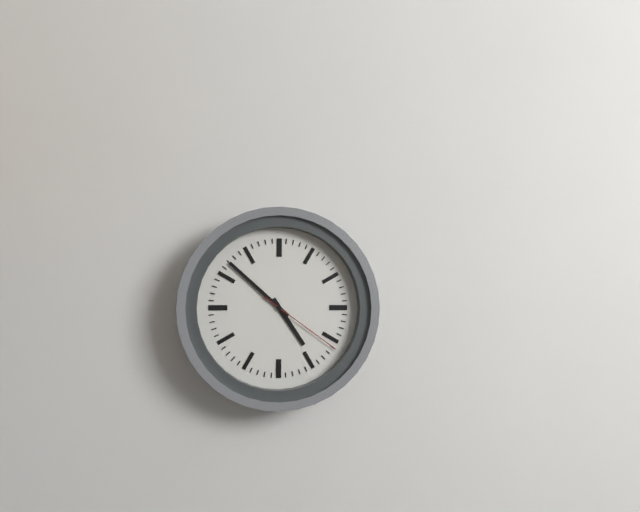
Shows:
4,52,21
